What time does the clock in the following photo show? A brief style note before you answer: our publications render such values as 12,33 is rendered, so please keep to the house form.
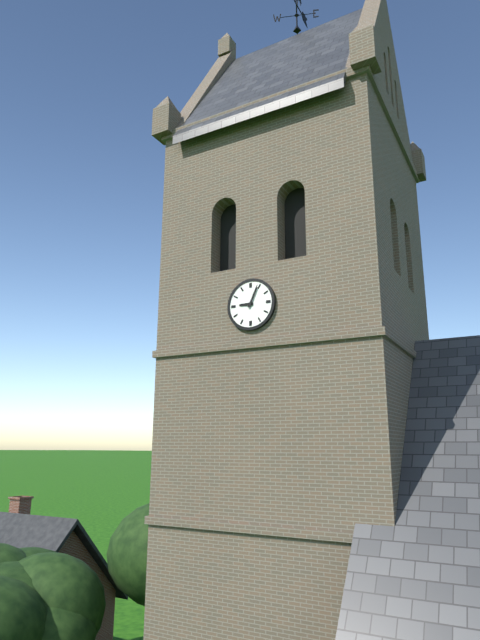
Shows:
9,04
